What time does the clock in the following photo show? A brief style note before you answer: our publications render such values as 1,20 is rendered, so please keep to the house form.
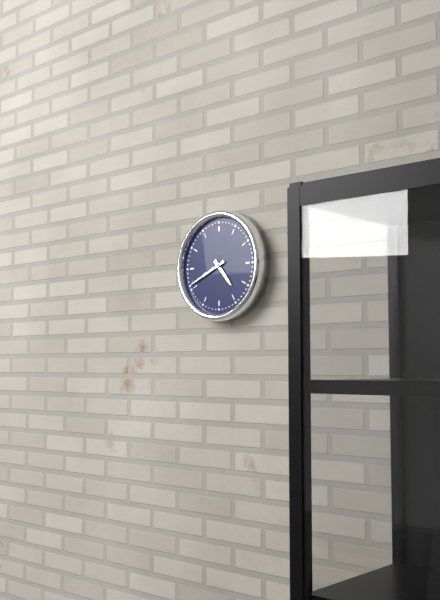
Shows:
4,41
